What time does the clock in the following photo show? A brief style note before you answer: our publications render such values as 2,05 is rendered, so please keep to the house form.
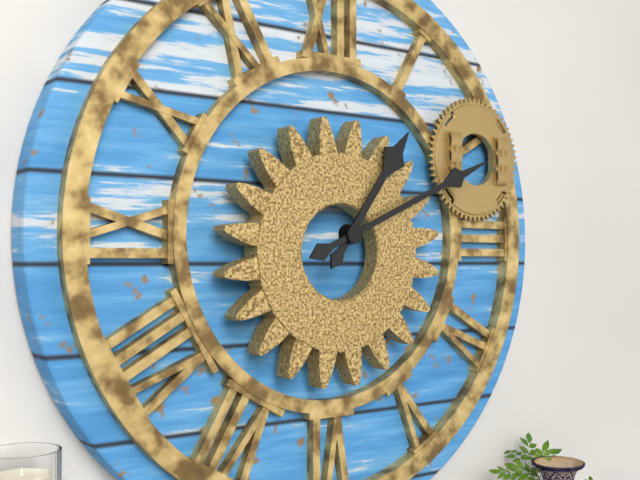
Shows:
1,11
